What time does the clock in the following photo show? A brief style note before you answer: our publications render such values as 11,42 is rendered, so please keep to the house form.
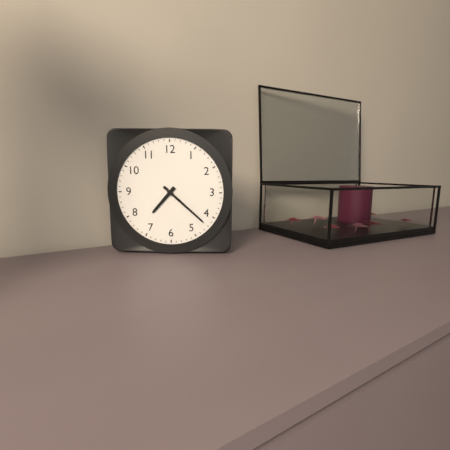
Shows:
7,22
